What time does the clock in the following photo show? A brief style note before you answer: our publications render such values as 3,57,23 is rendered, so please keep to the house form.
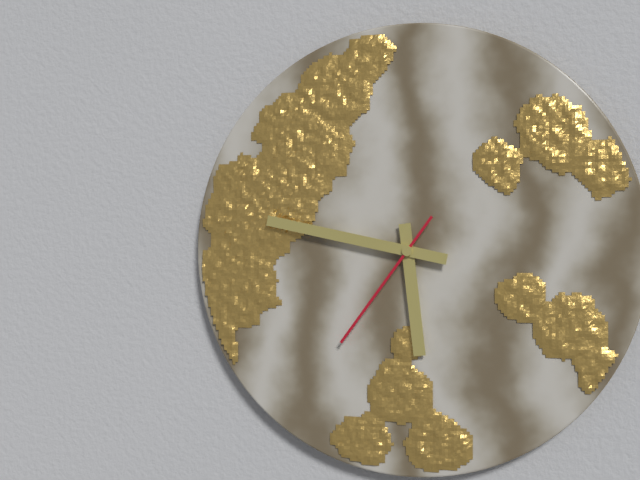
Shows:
5,47,36
